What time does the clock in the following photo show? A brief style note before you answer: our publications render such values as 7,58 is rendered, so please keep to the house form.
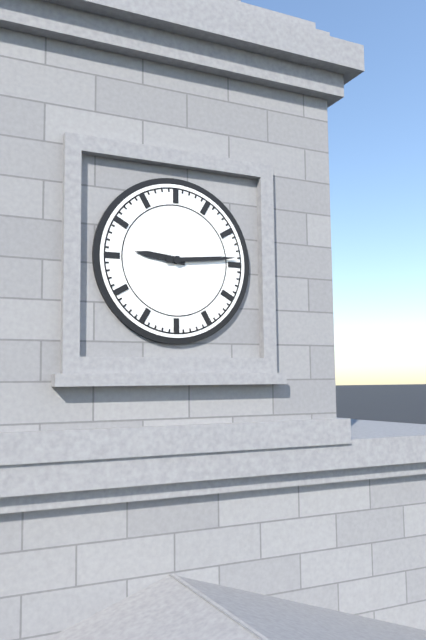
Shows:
9,14
